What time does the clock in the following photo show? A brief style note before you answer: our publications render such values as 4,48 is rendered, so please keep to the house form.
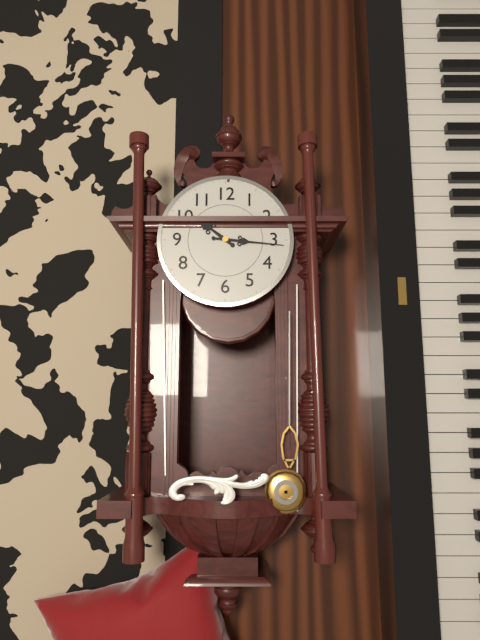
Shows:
10,16
